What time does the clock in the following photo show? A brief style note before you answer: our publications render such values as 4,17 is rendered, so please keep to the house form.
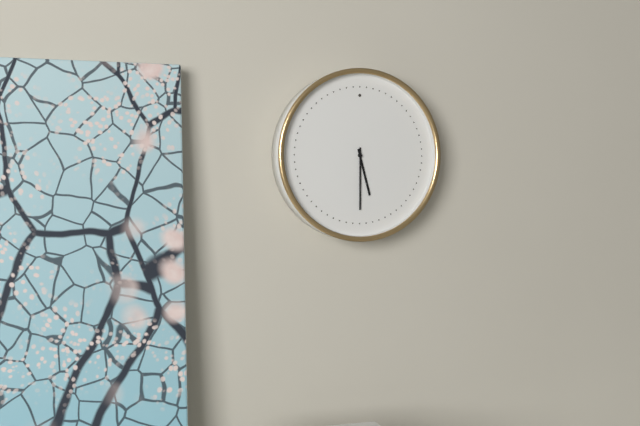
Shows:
5,30
